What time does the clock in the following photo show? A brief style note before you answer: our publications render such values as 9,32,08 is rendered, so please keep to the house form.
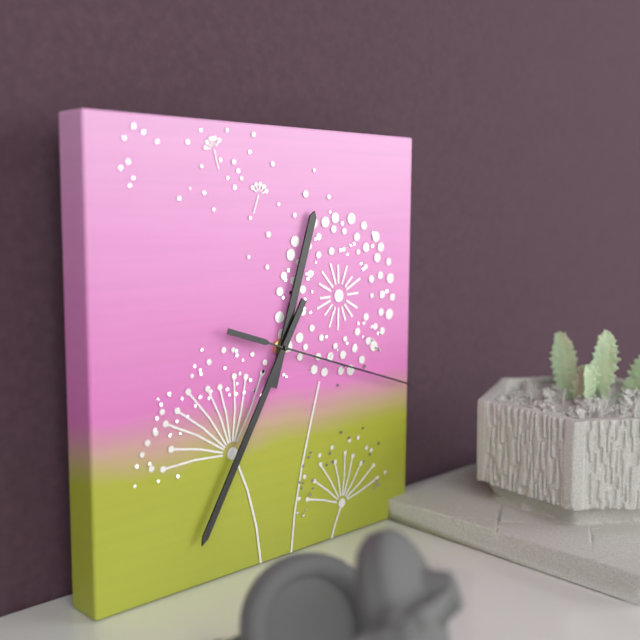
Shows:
12,35,18
